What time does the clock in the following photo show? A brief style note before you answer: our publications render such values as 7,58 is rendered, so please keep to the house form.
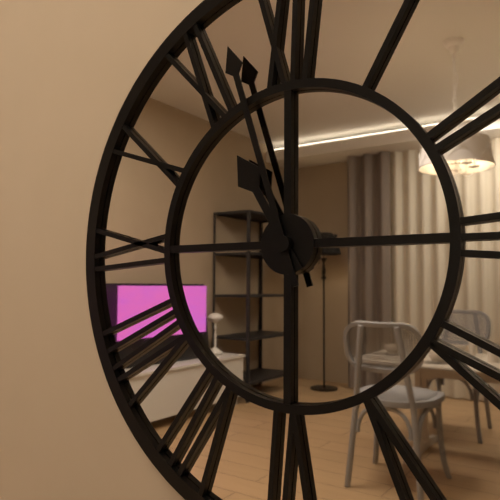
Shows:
10,57
